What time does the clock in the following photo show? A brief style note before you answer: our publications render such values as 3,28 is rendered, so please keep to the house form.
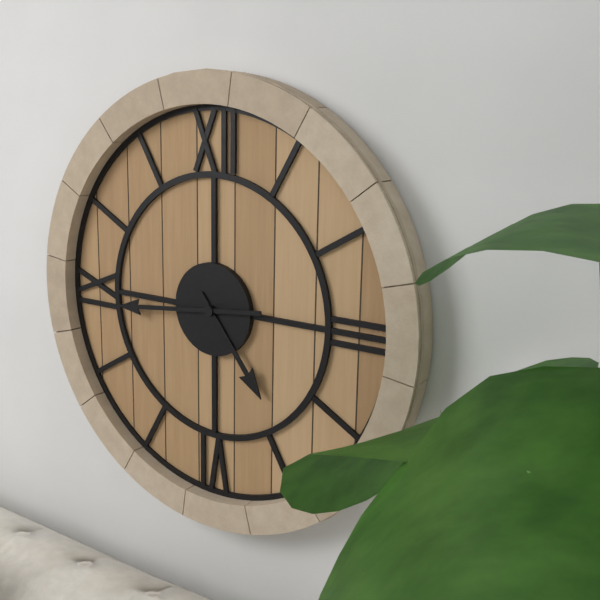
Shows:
4,44
